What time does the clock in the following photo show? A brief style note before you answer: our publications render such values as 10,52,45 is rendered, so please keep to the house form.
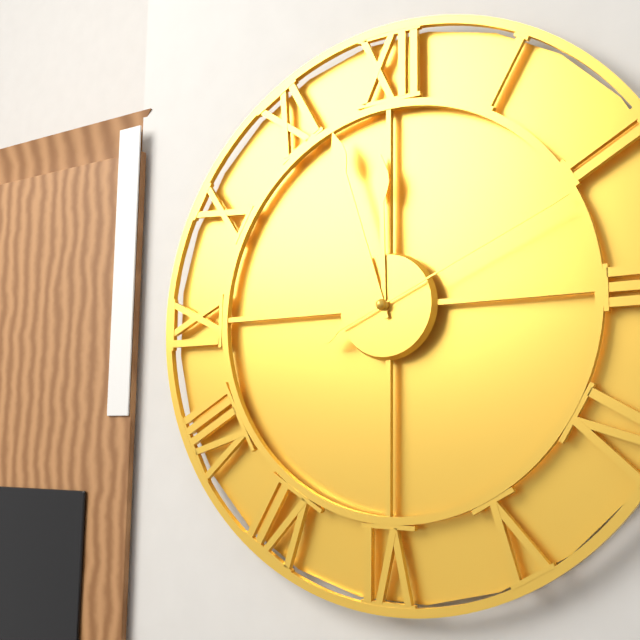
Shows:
11,57,11
